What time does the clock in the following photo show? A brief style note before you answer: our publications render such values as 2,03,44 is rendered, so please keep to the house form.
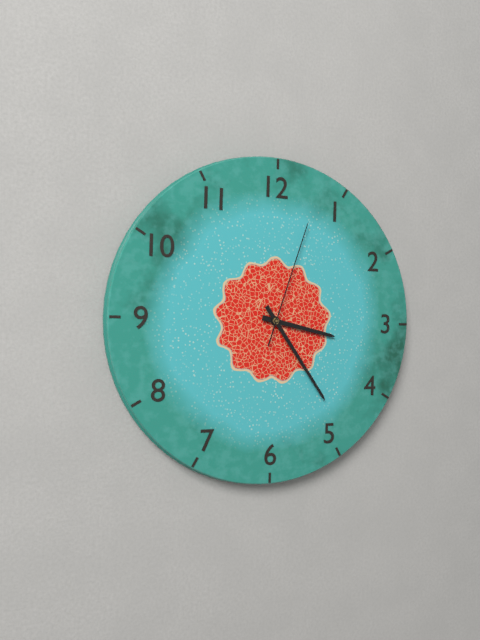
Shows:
3,24,03
